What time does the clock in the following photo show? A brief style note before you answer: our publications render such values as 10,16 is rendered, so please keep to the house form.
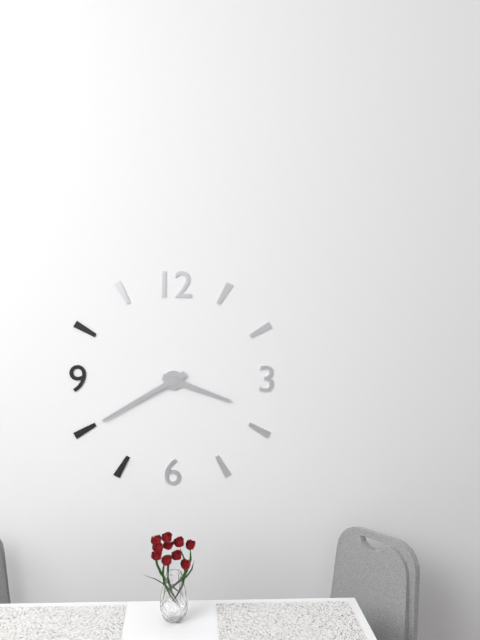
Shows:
3,40
